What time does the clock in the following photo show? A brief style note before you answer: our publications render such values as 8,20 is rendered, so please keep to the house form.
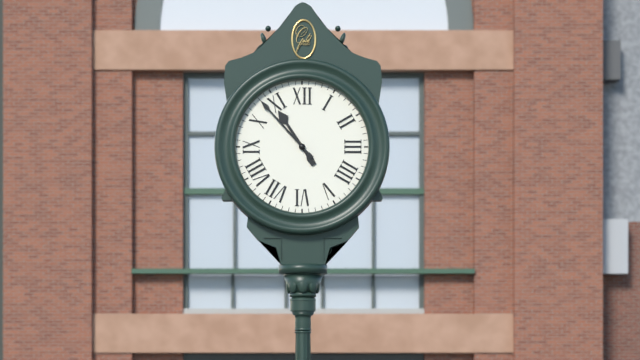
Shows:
10,53
